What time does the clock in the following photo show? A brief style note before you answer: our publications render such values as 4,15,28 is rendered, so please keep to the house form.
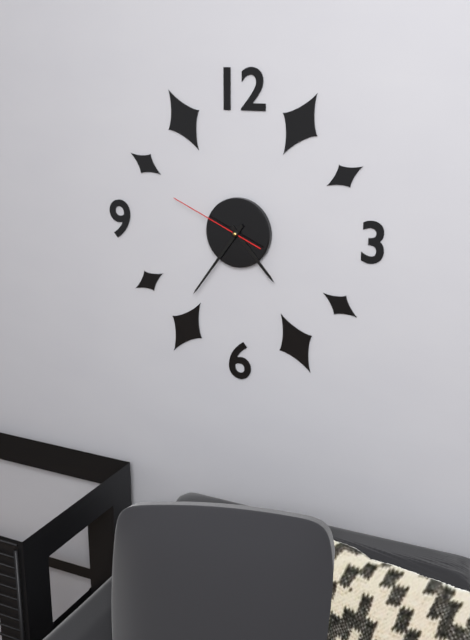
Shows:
4,36,49
